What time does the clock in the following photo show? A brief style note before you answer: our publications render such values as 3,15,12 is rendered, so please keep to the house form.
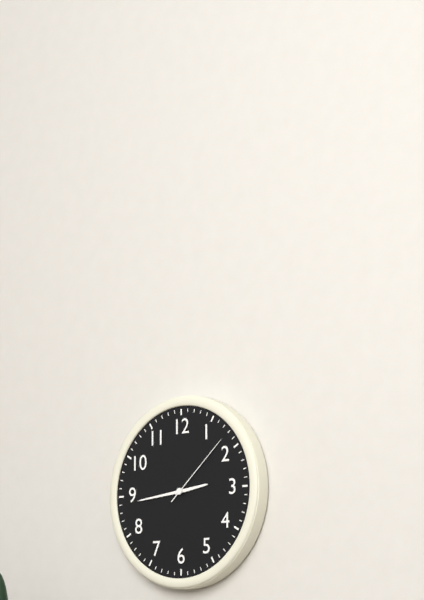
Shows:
2,44,08
